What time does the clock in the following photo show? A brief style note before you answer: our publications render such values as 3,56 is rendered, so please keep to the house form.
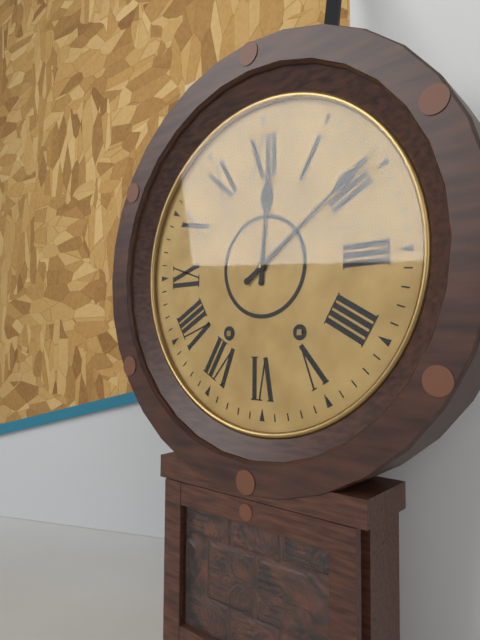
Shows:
12,09
